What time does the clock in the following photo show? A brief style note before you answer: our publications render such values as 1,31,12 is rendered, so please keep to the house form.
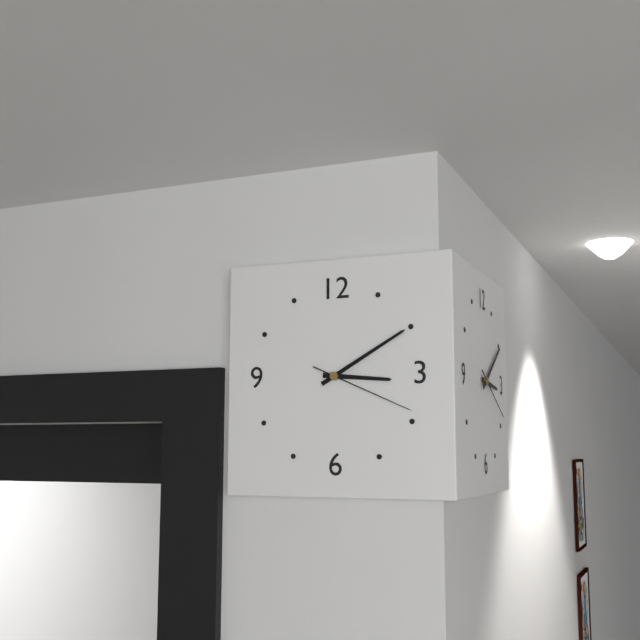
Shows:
3,10,19
